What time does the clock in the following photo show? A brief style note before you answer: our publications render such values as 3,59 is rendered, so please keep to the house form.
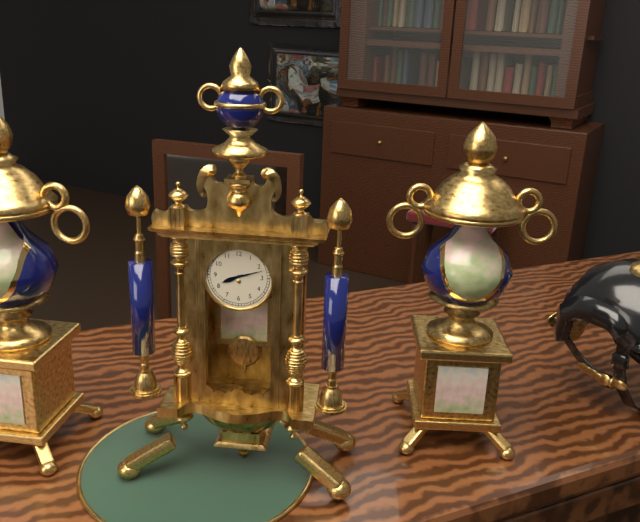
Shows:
8,12
